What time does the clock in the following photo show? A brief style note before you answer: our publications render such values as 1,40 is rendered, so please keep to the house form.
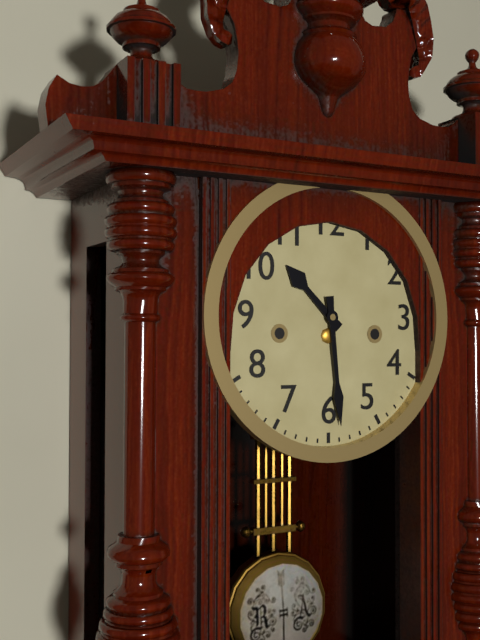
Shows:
10,29
